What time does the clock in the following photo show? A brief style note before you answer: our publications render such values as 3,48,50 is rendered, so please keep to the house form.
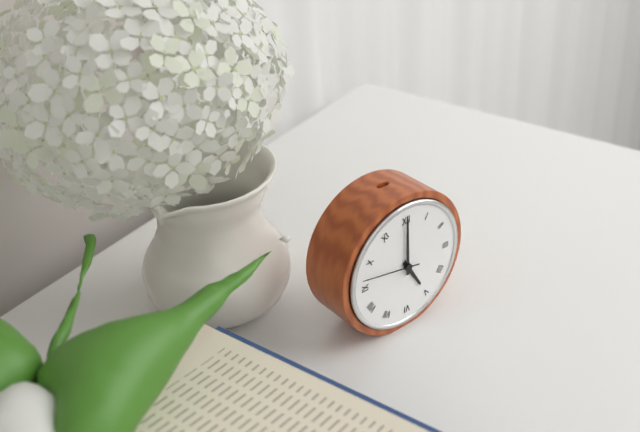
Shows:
5,00,47
